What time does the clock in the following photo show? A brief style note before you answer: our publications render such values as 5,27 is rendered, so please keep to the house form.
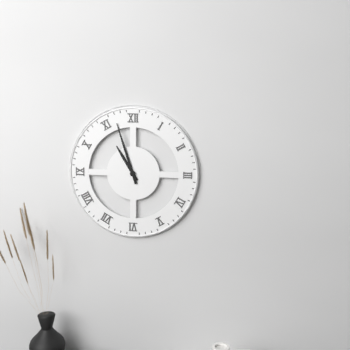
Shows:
10,57
